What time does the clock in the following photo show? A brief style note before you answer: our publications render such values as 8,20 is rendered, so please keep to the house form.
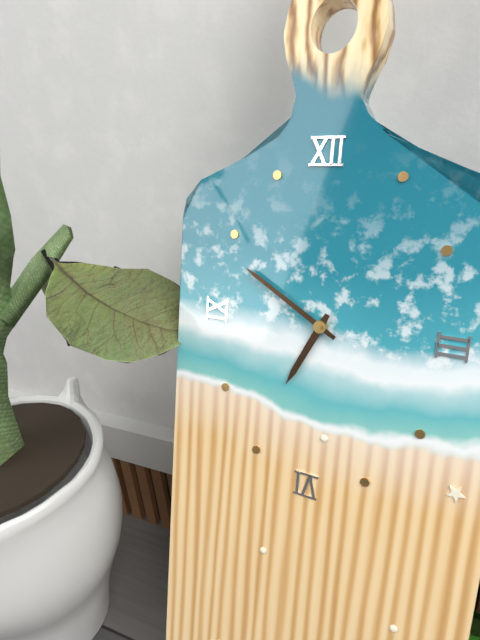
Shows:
6,50
